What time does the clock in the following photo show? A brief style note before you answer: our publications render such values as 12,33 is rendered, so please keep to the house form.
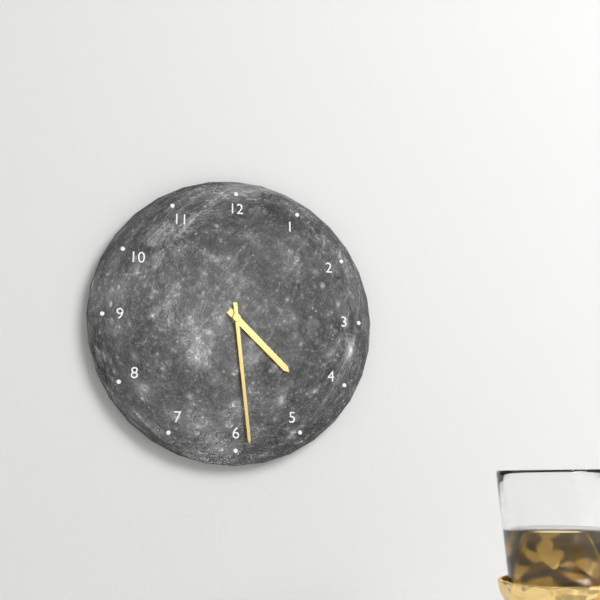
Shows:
4,29
